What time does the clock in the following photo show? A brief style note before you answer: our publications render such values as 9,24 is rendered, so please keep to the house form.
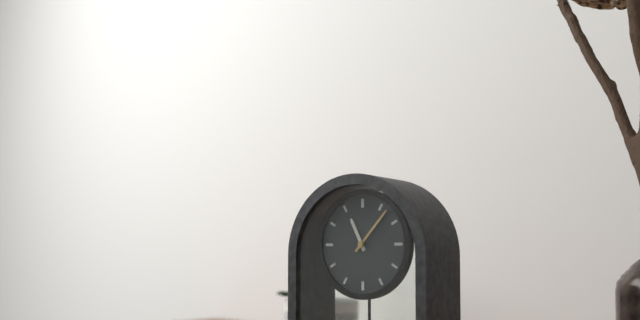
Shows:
11,07
